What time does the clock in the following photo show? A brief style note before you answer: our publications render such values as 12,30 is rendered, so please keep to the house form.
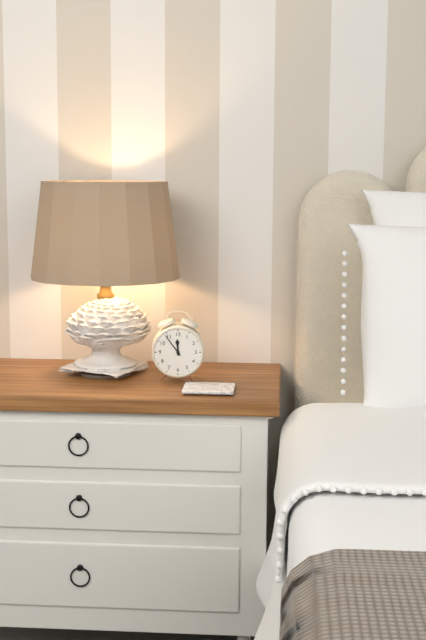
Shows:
11,54
